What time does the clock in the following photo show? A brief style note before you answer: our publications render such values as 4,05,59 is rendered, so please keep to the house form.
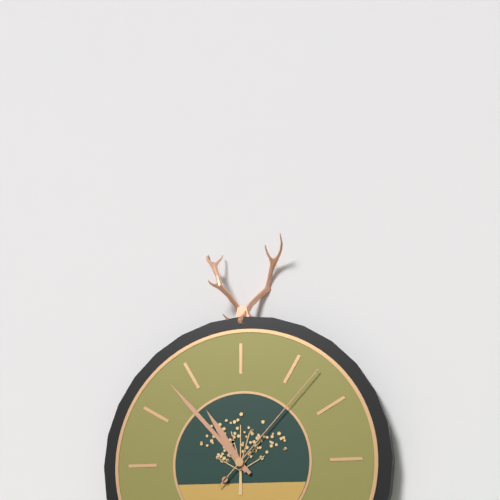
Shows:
10,53,07
